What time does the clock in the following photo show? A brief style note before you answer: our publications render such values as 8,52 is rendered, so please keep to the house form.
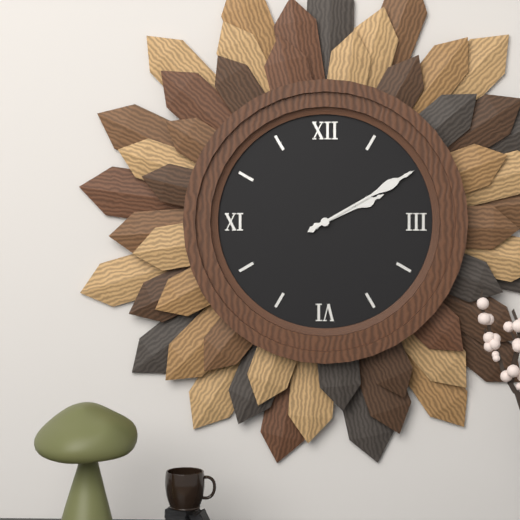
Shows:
2,10
